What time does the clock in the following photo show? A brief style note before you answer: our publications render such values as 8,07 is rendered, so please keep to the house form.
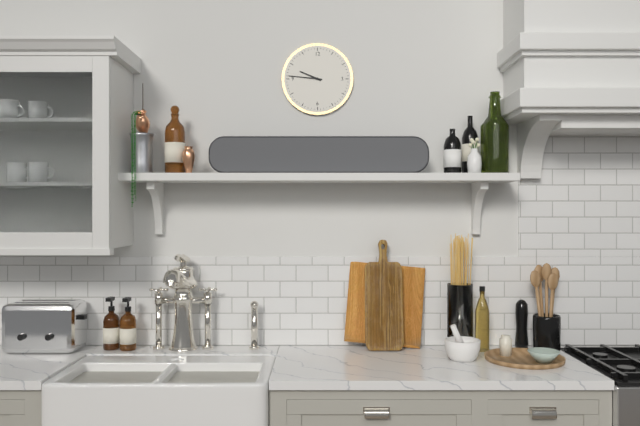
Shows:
9,46
